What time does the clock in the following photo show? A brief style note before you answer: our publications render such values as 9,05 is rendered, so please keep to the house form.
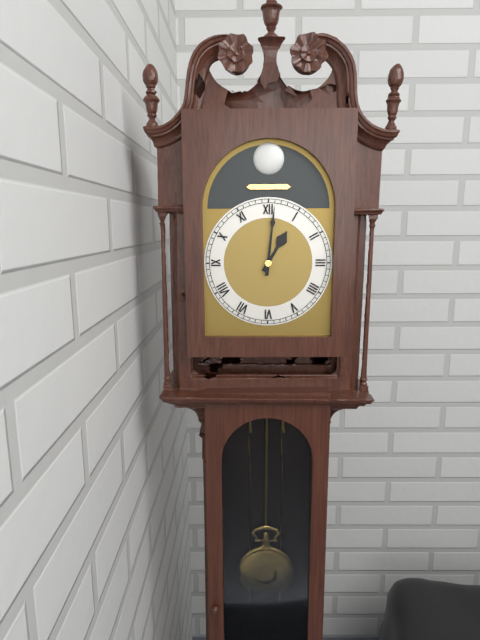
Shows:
1,01
